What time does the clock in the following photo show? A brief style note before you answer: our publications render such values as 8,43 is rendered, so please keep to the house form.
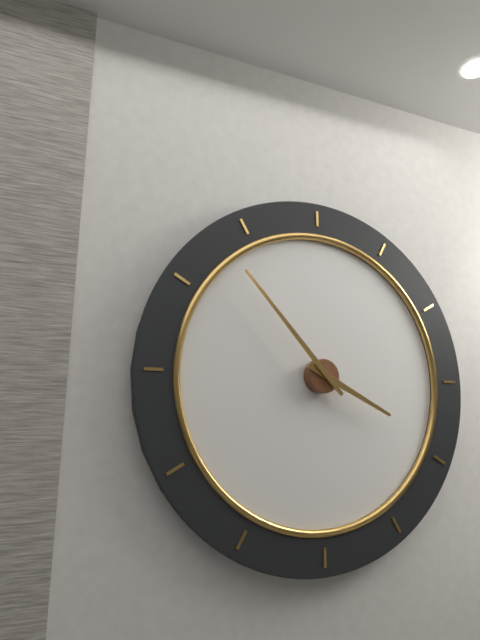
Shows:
3,53
